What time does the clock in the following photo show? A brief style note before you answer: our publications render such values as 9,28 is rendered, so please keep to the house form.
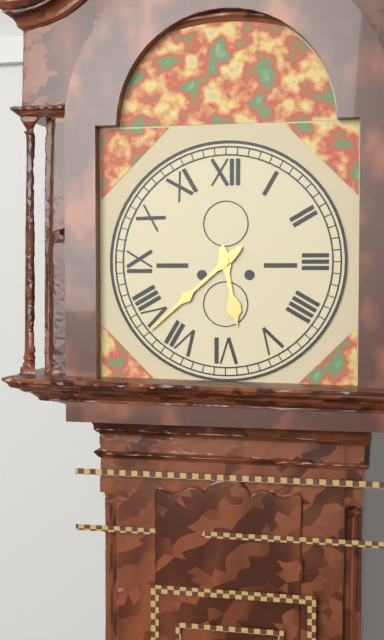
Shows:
5,38
